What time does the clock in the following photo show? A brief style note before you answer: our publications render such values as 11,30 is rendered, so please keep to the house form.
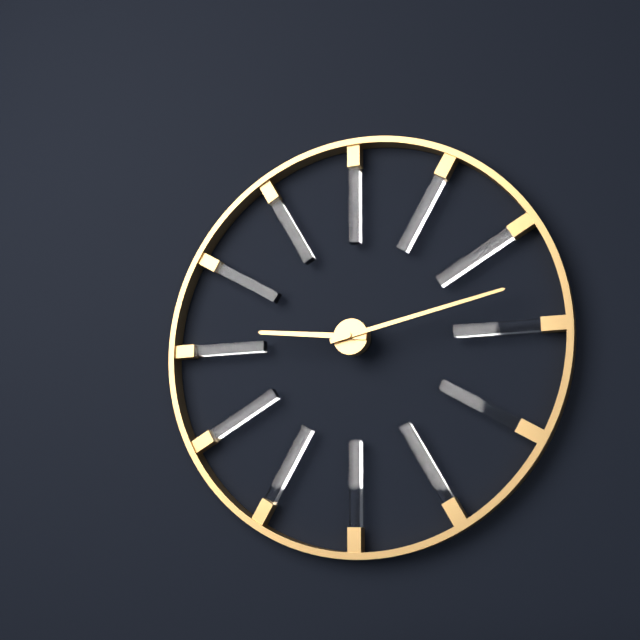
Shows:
9,13
